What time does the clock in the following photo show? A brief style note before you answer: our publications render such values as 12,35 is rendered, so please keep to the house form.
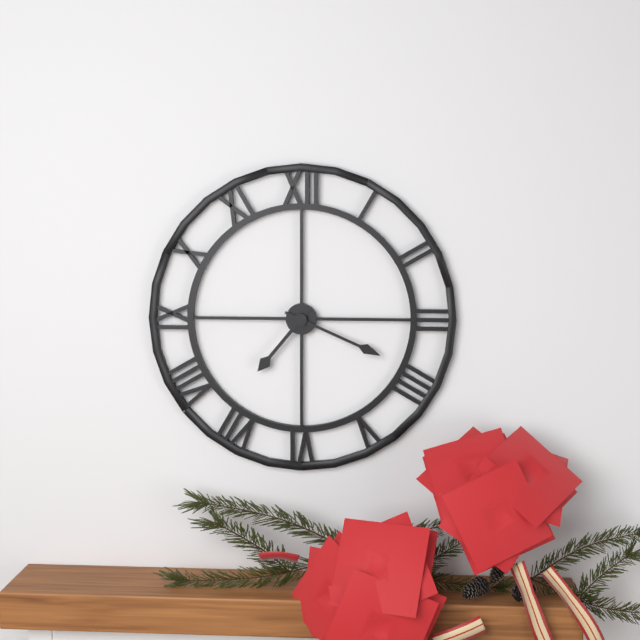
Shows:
7,19
